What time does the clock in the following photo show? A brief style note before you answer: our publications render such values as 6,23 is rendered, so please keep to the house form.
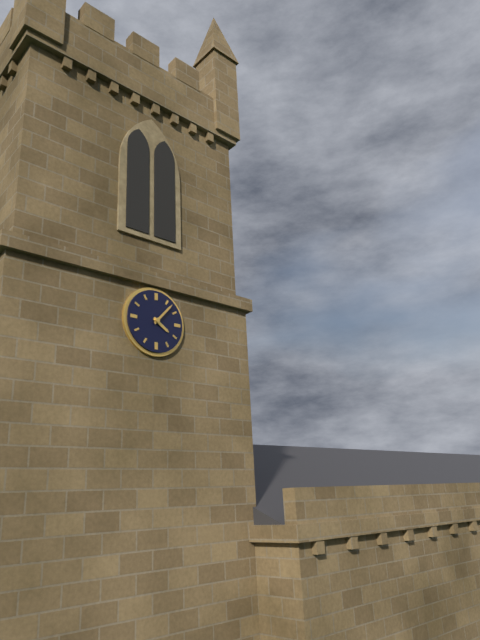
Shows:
4,07
